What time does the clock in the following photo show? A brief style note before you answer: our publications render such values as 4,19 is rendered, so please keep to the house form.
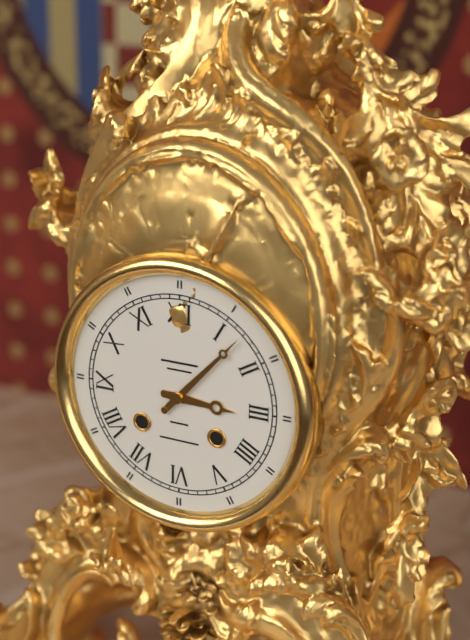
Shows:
3,07
